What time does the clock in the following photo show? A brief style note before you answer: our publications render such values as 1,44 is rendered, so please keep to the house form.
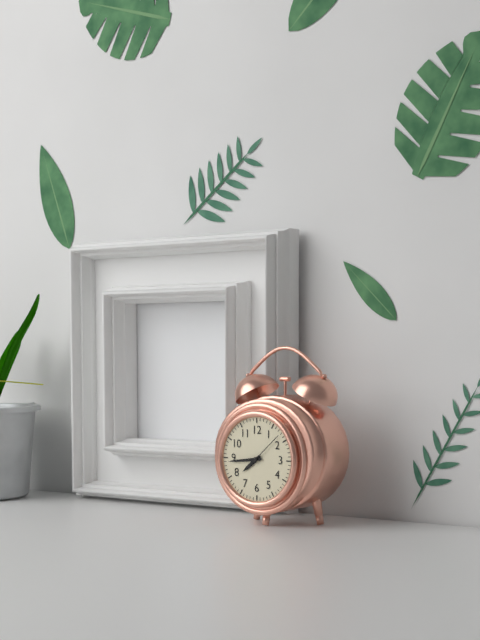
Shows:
7,44
